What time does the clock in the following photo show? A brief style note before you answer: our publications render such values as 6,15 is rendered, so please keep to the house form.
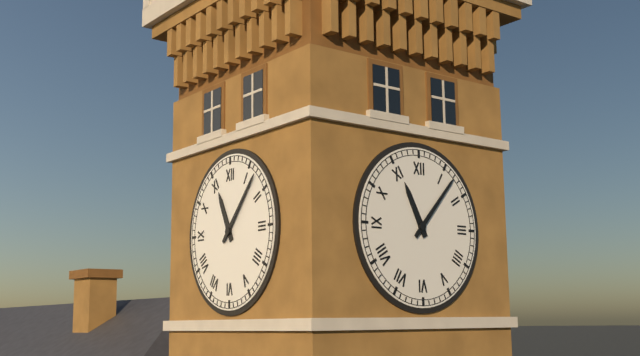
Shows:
11,07
